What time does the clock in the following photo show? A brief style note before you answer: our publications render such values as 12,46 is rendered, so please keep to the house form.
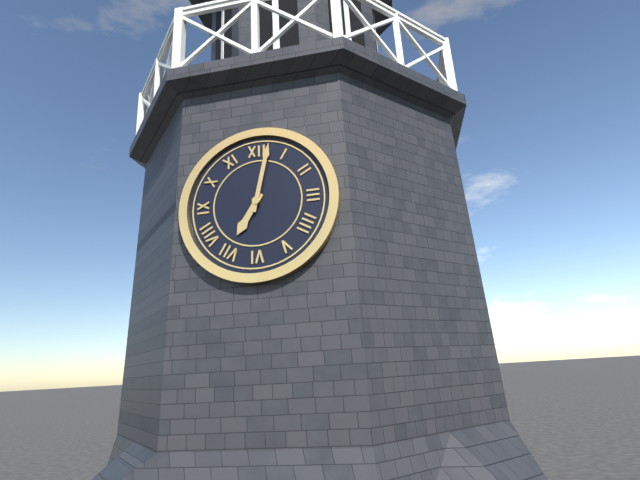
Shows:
7,02
